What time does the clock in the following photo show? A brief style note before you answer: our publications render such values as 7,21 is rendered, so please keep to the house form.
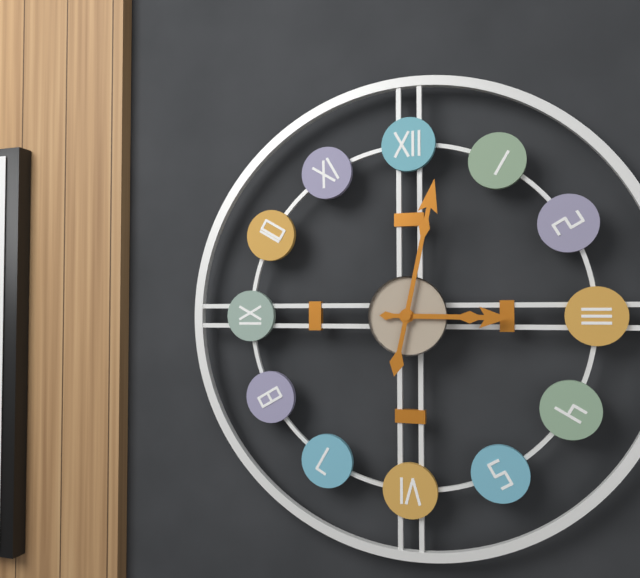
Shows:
3,02
